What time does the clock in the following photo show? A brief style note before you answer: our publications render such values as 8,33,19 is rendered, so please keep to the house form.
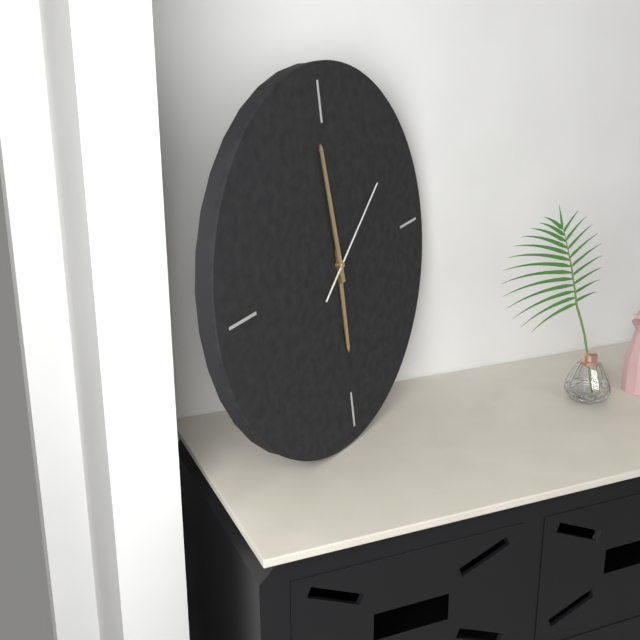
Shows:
5,59,09
